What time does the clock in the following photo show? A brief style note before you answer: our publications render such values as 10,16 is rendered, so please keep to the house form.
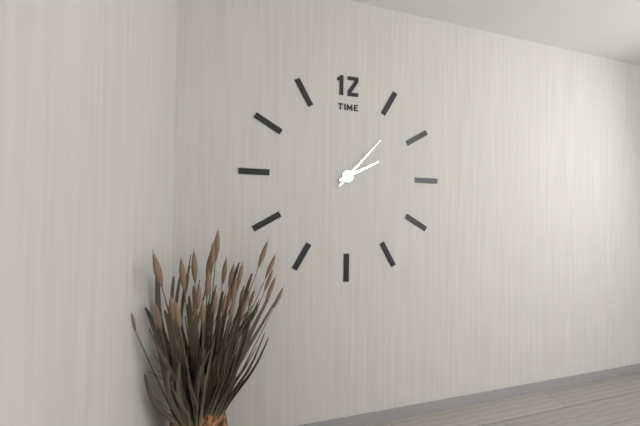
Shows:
2,07
